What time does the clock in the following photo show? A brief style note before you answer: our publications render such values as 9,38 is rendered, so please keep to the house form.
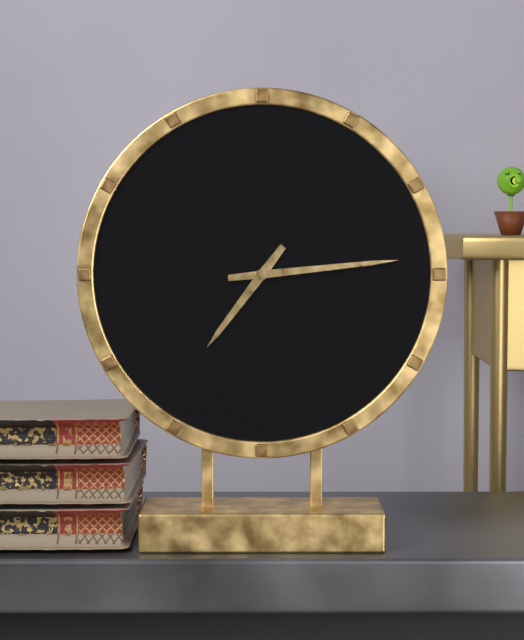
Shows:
7,14
